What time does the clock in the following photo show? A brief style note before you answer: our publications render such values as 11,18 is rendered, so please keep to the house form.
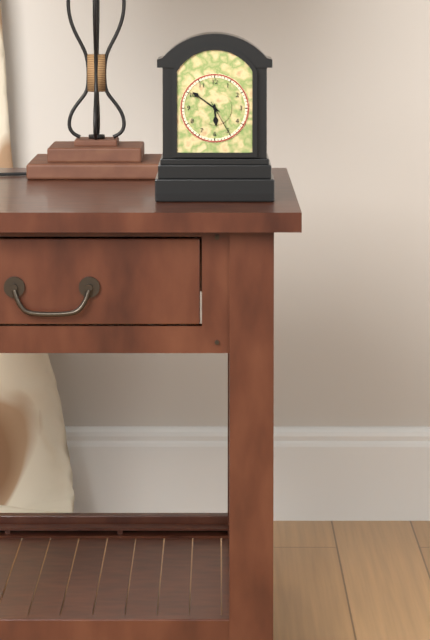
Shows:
5,51
